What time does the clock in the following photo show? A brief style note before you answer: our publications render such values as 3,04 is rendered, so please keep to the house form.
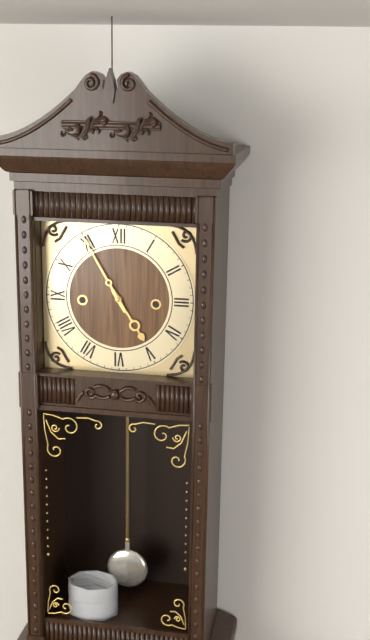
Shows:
4,55
